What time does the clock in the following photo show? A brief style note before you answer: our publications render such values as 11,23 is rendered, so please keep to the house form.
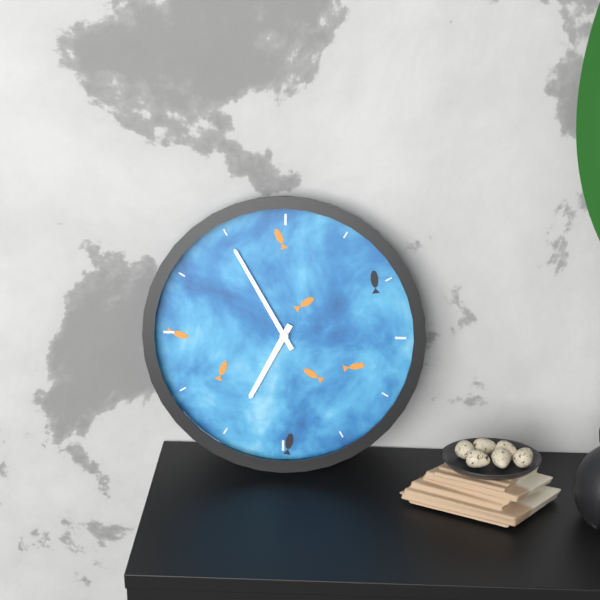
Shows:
6,55
